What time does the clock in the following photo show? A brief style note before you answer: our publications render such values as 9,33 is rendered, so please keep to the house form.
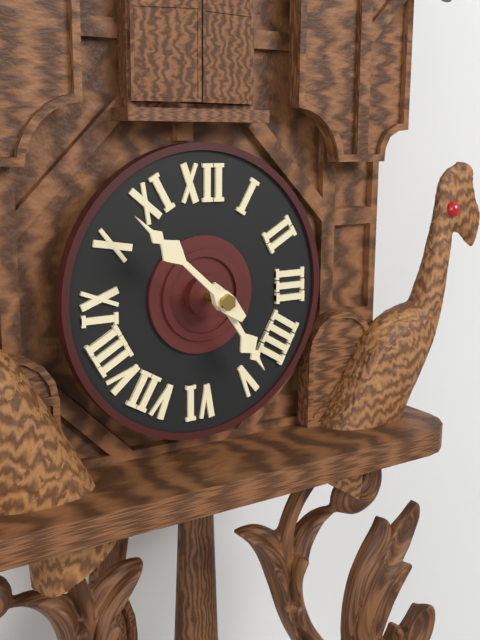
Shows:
4,52
